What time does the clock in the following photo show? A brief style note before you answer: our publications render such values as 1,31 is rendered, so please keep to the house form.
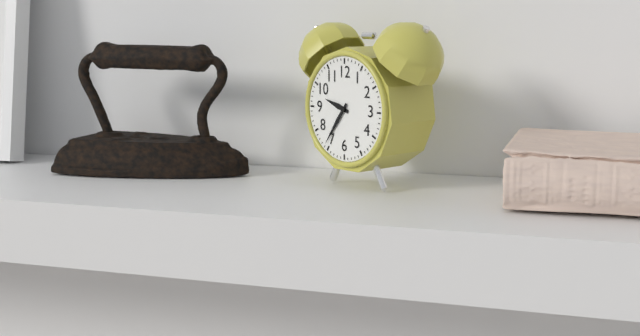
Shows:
9,36
